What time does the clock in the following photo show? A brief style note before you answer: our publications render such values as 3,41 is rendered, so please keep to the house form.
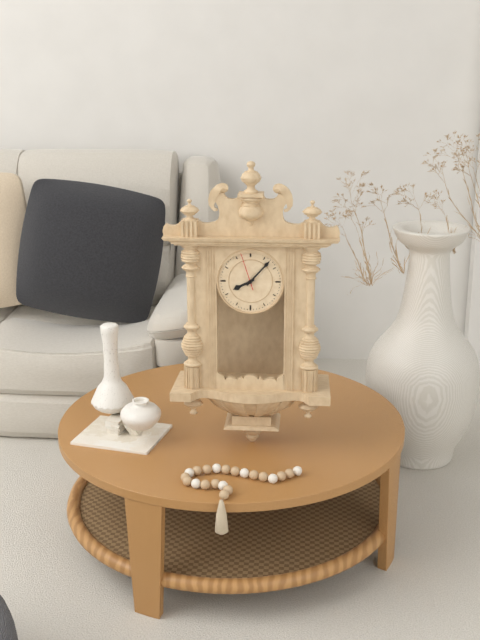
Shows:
8,07
